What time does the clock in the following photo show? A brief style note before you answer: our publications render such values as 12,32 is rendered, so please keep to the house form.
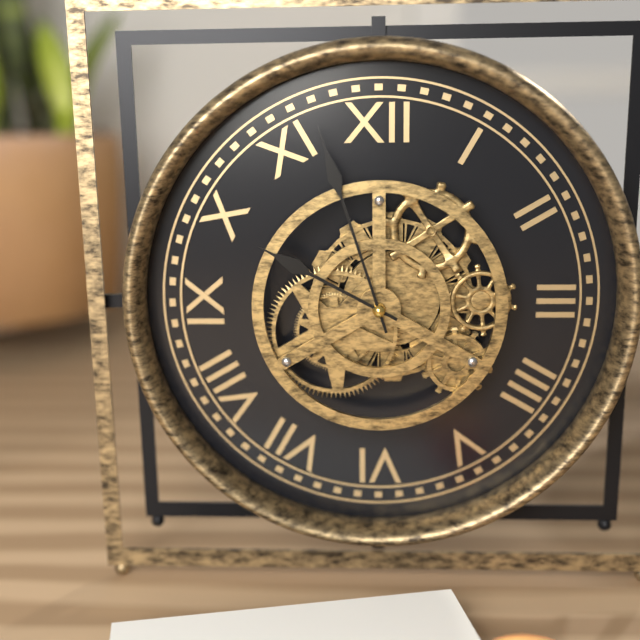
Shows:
9,57
